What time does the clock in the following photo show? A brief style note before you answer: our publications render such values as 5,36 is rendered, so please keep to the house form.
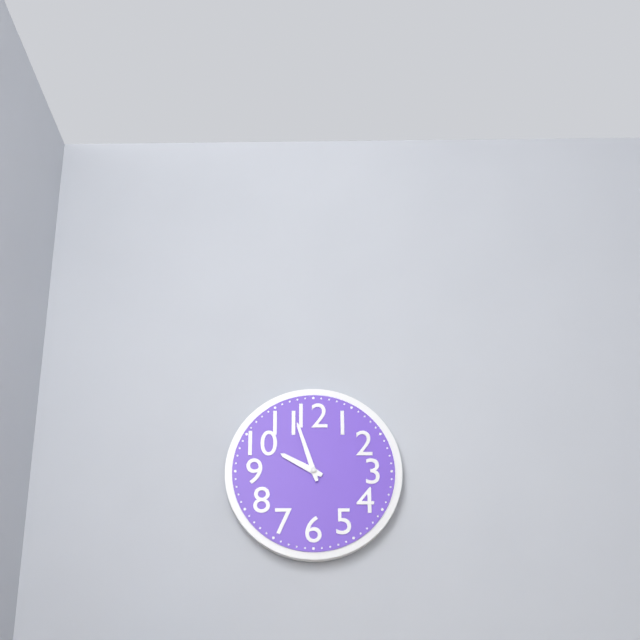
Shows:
9,57
